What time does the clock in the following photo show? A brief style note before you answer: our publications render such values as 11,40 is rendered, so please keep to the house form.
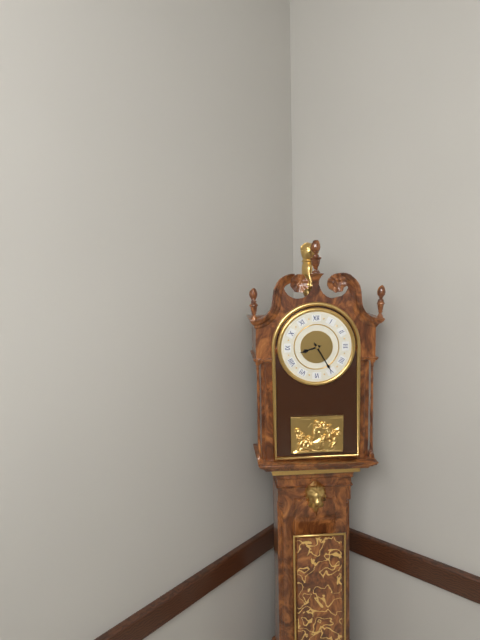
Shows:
8,25
